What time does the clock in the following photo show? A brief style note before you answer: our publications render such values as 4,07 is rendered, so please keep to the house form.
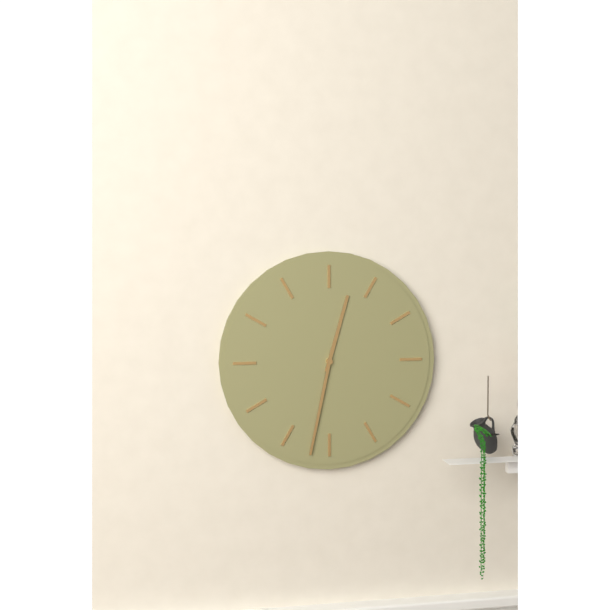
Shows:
12,32
